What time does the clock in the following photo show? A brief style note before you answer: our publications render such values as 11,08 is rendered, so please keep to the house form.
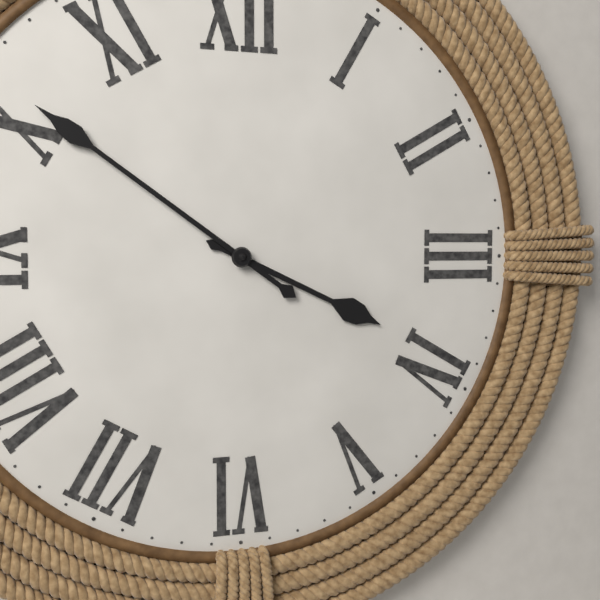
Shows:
3,51
